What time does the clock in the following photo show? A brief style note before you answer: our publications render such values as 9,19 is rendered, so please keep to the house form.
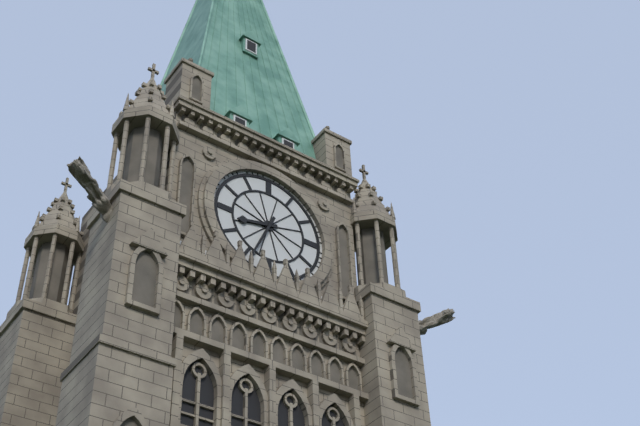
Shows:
8,34
